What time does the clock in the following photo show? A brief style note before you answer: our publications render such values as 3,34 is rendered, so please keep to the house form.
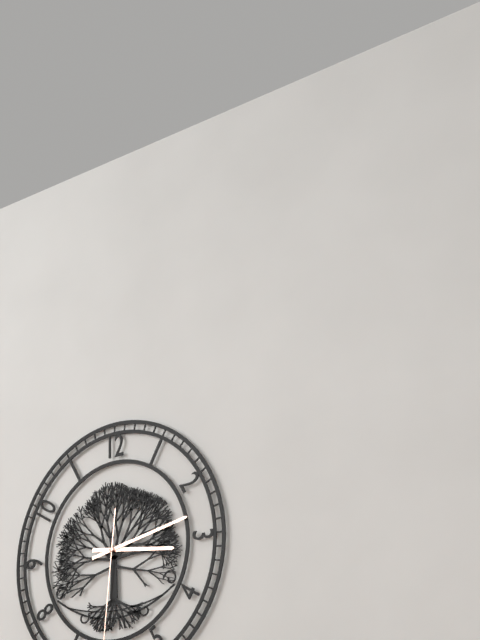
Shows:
3,13
